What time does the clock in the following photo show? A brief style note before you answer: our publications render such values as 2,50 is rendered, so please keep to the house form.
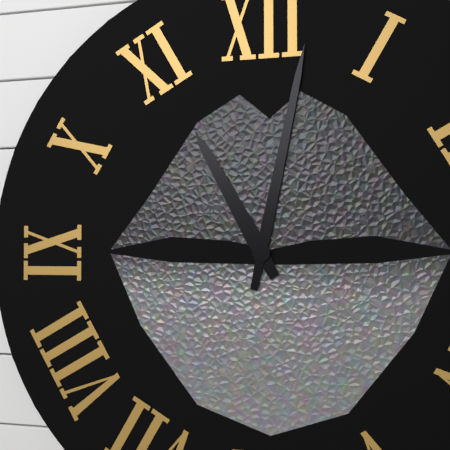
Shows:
11,02
